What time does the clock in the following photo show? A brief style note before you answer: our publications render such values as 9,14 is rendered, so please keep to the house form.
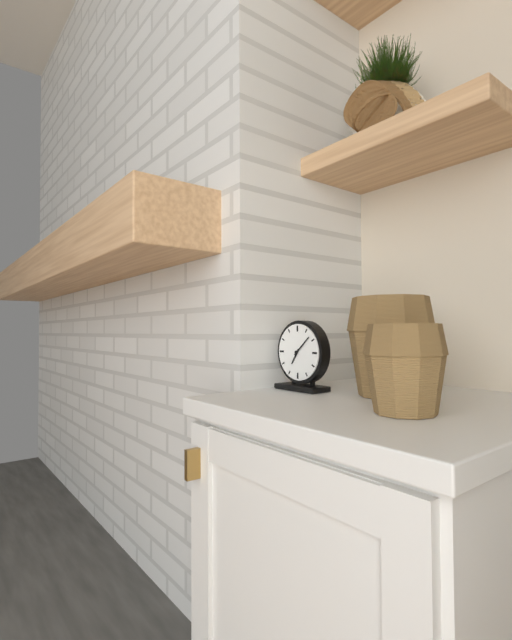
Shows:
7,08
